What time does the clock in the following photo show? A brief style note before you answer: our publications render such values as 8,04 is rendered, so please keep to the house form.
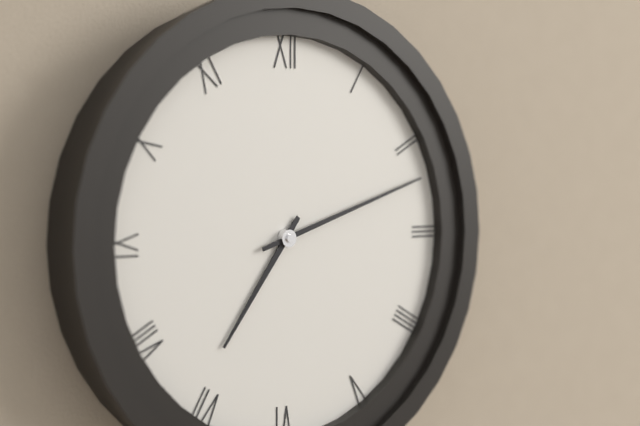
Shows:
7,12
